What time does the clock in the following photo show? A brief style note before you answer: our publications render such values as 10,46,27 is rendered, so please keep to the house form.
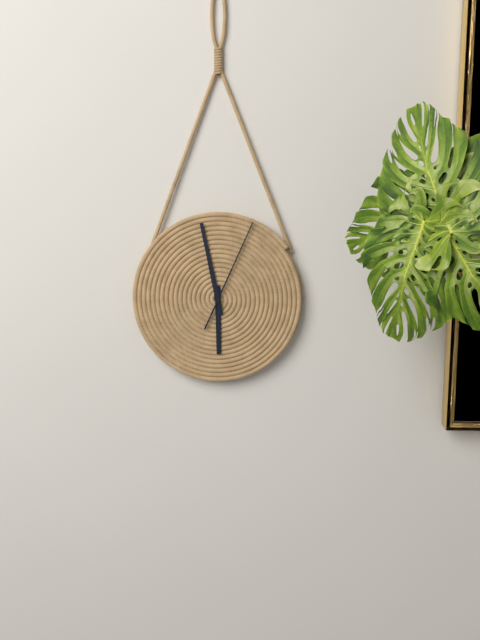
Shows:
5,58,04
